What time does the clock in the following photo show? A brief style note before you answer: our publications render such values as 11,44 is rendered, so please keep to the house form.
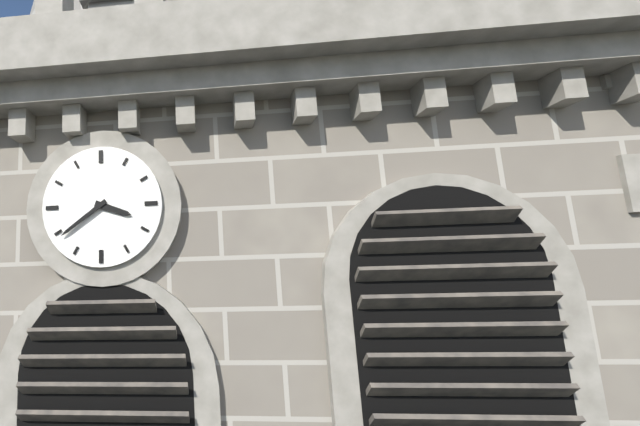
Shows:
3,39
